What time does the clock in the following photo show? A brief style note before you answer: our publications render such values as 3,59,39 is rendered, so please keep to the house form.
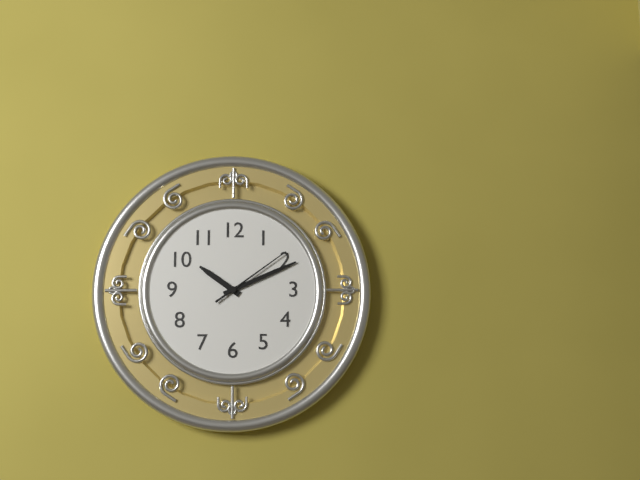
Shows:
10,11,09
